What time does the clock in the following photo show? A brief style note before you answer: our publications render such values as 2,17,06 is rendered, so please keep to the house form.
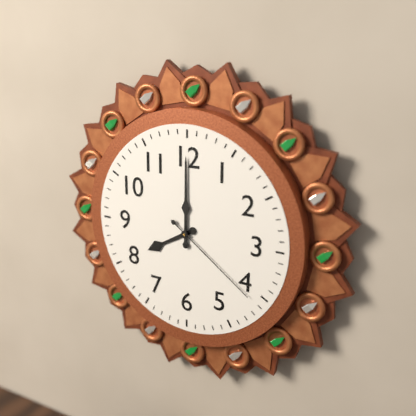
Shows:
8,00,21
